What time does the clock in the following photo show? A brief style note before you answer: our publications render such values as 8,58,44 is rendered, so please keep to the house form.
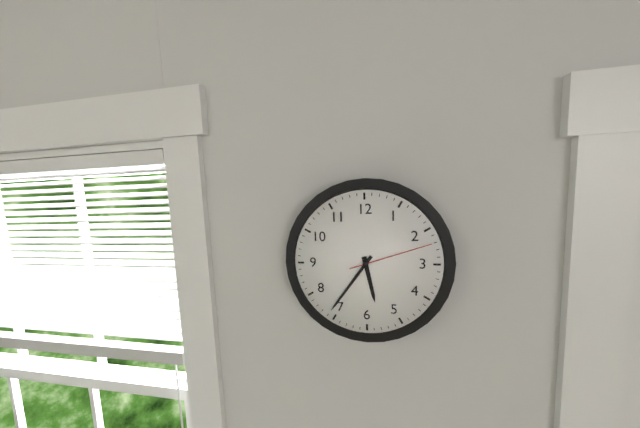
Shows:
5,36,12
